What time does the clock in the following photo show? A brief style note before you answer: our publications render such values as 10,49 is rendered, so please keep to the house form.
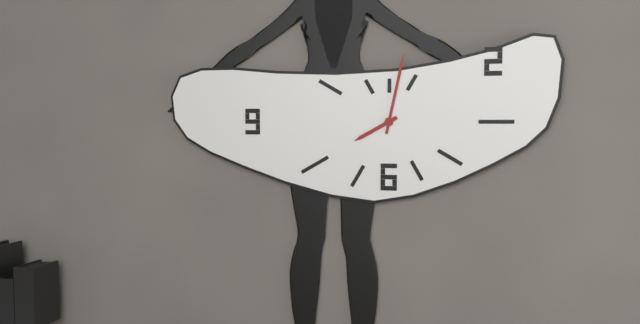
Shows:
8,02
